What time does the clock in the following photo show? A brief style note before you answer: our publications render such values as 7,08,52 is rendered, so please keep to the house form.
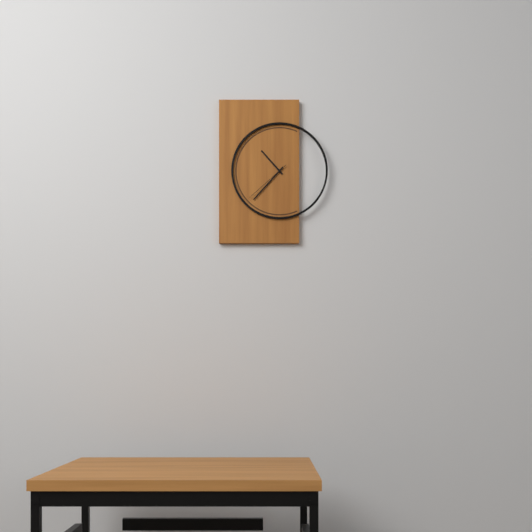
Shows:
10,37,38
